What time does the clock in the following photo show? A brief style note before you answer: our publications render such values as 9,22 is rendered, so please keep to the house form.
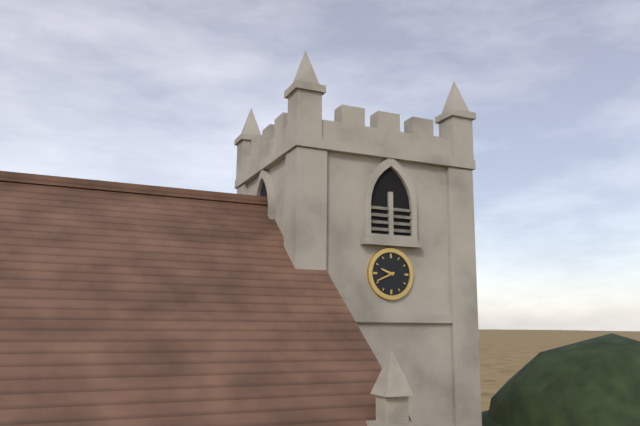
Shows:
9,41
